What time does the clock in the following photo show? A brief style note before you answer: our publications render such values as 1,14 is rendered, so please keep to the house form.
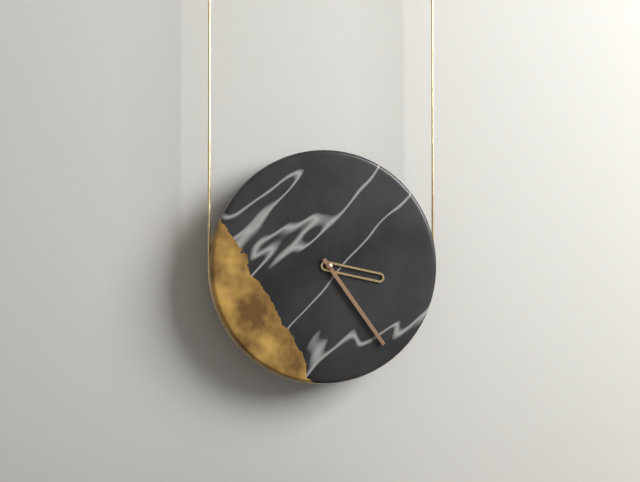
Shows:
3,24
